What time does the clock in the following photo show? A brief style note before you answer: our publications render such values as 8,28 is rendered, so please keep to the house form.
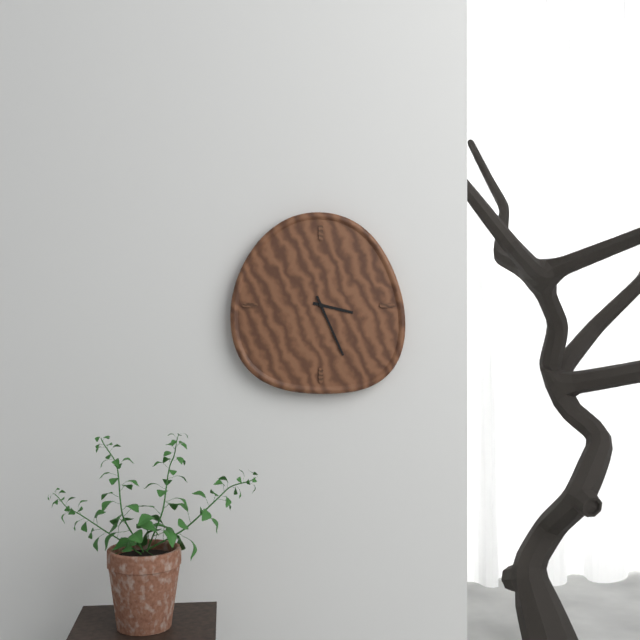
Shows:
3,26
